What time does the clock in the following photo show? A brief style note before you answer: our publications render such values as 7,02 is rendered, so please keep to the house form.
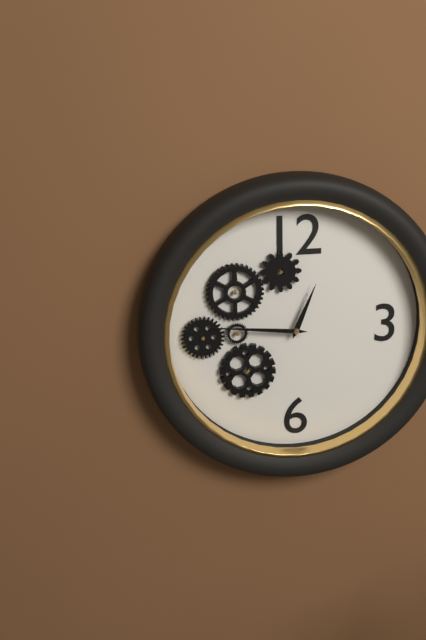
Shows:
12,46
